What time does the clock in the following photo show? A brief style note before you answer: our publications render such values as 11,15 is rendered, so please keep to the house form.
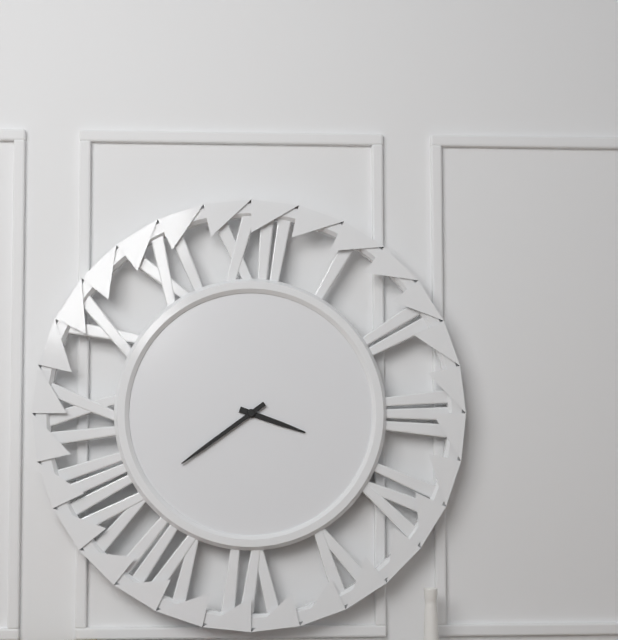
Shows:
3,39
